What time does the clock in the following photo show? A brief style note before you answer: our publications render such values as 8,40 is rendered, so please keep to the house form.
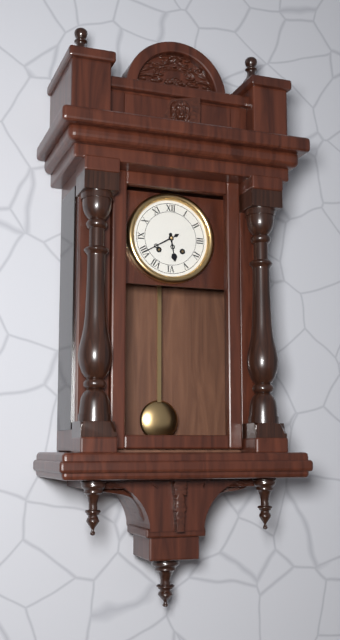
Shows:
5,40
